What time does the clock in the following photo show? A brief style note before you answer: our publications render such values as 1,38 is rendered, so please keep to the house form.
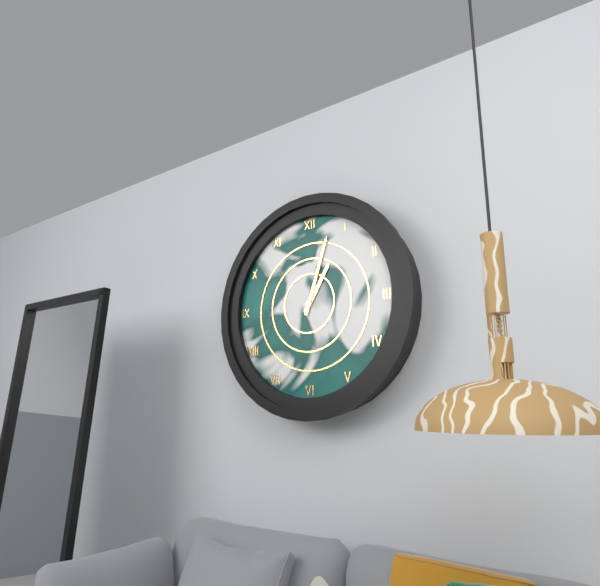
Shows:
1,03
